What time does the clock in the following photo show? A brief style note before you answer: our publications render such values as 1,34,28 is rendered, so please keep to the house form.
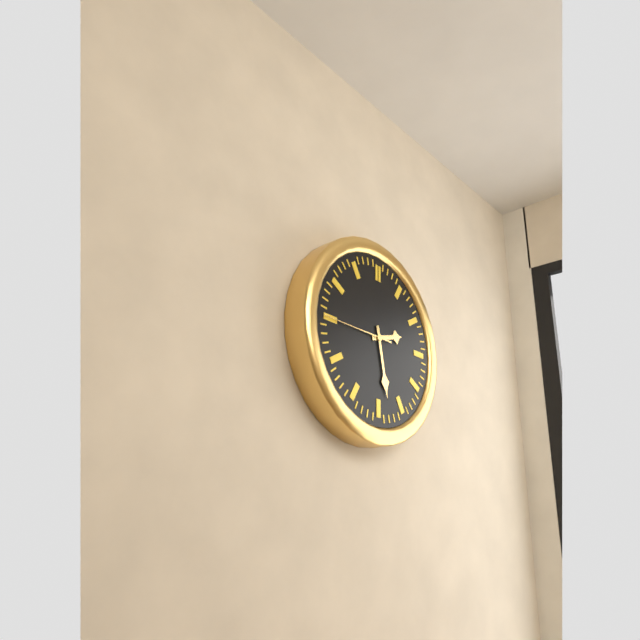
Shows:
2,28,45
